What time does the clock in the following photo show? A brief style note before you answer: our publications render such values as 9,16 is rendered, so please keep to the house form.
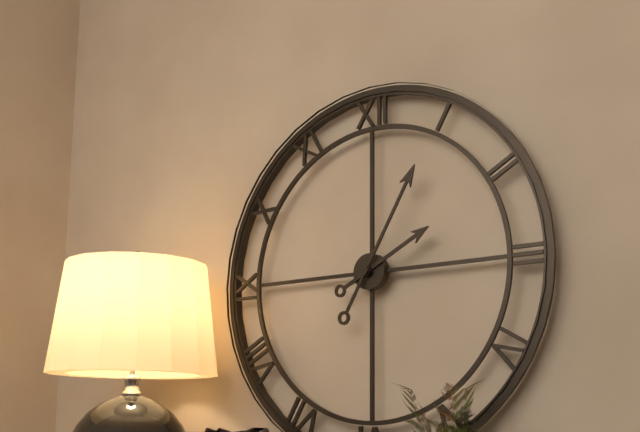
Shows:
2,05
